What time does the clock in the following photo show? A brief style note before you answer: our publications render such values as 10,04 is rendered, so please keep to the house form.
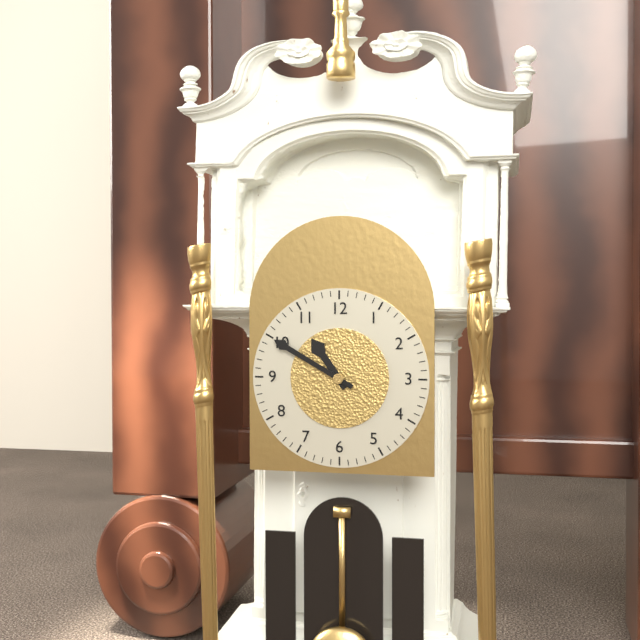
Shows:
10,50
